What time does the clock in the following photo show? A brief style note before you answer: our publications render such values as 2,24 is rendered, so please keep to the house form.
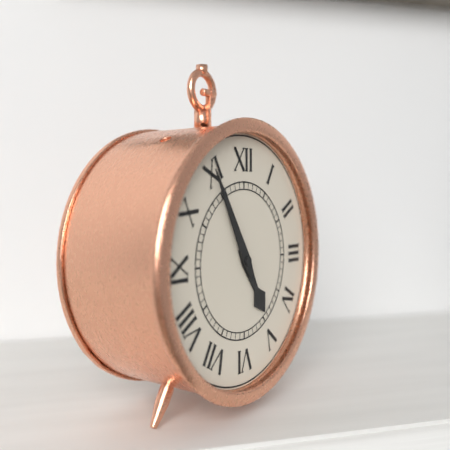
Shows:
4,55
